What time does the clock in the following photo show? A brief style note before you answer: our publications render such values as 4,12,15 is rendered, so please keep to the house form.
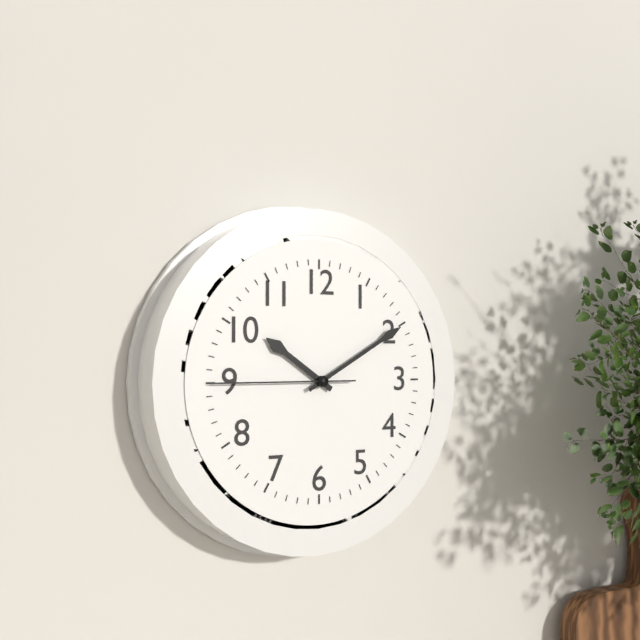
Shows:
10,10,45
